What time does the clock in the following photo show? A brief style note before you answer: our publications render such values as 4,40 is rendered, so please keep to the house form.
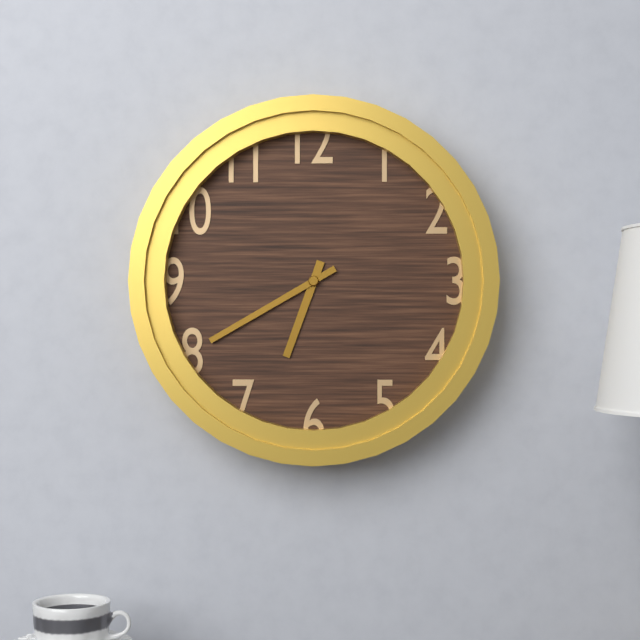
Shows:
6,40
